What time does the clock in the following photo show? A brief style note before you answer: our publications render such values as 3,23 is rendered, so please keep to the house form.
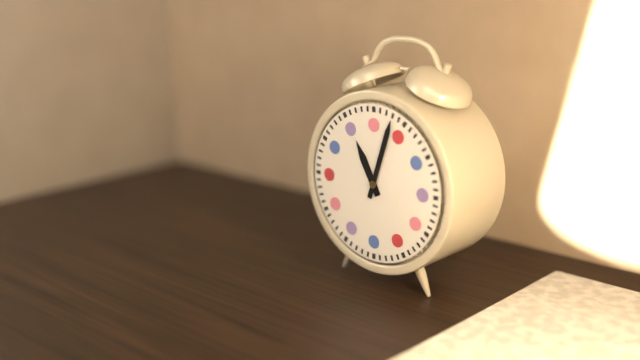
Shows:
11,03
